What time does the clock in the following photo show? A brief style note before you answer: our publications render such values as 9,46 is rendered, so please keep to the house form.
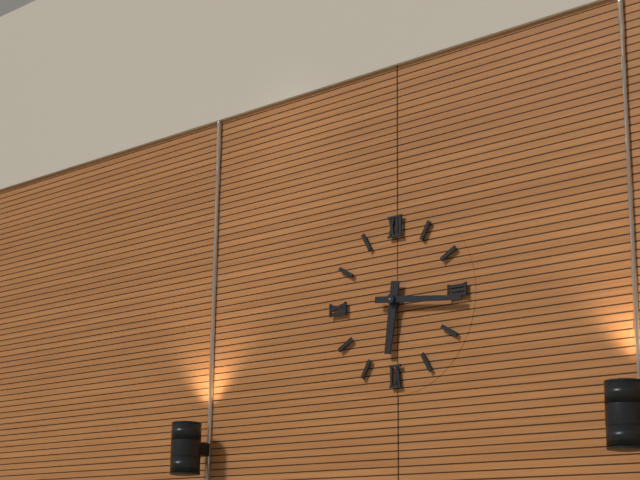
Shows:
6,16
